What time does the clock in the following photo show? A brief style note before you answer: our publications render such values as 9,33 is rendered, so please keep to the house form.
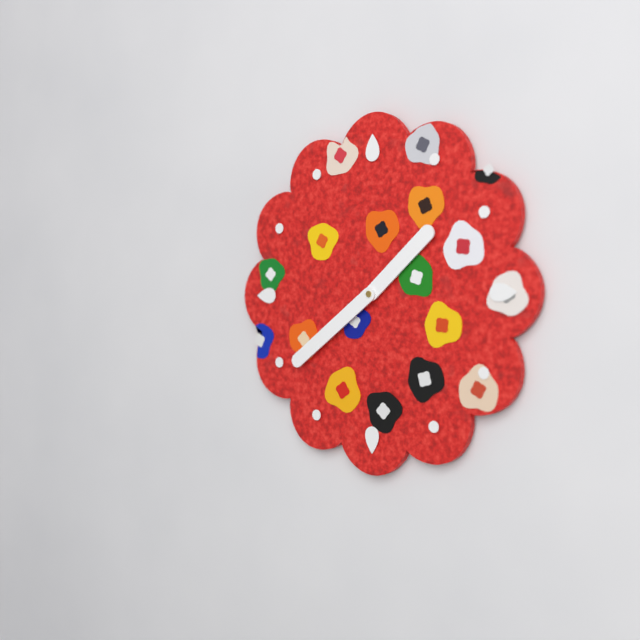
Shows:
1,39
